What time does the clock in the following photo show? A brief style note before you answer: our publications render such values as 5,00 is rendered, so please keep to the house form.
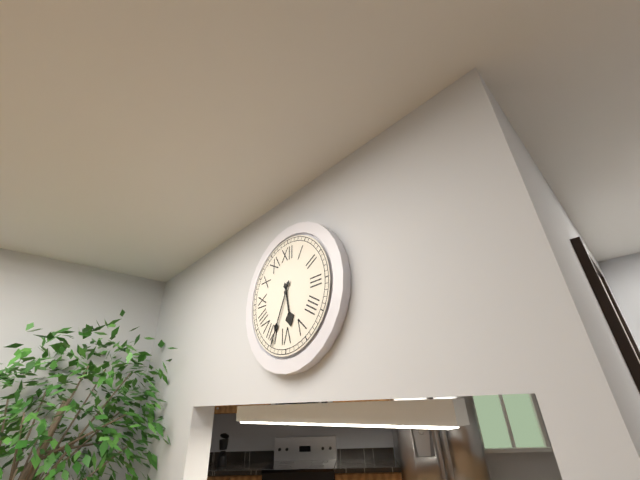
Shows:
5,34
